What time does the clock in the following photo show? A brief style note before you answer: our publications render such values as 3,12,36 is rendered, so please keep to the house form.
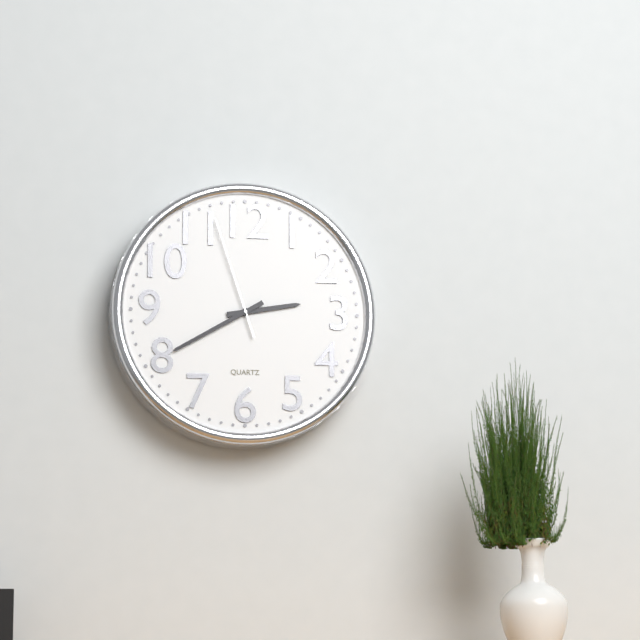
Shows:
2,40,57
